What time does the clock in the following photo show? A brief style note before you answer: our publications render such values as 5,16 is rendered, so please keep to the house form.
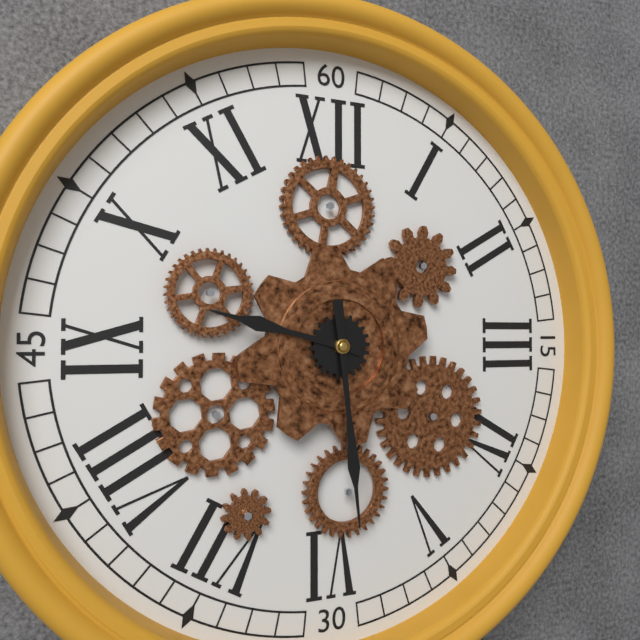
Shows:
9,29
